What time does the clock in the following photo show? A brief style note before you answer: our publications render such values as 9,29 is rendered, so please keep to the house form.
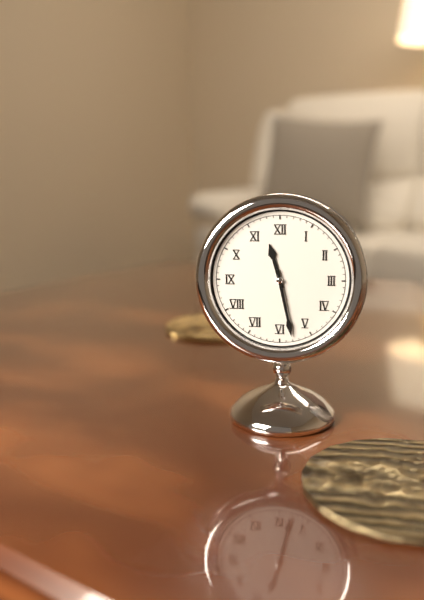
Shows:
11,28
